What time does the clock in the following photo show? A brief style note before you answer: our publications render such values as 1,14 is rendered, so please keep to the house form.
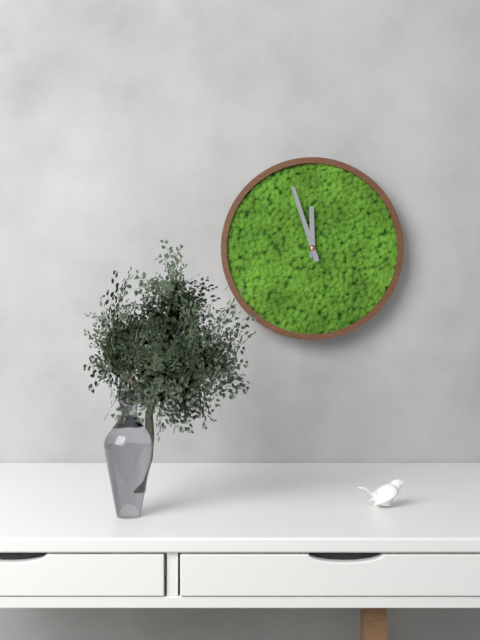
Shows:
11,57
